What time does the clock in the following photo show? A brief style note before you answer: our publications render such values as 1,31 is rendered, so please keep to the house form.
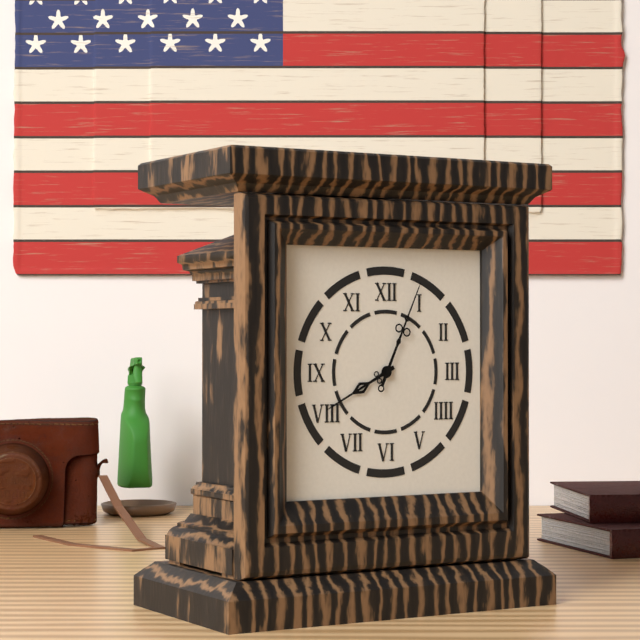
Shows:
8,04
